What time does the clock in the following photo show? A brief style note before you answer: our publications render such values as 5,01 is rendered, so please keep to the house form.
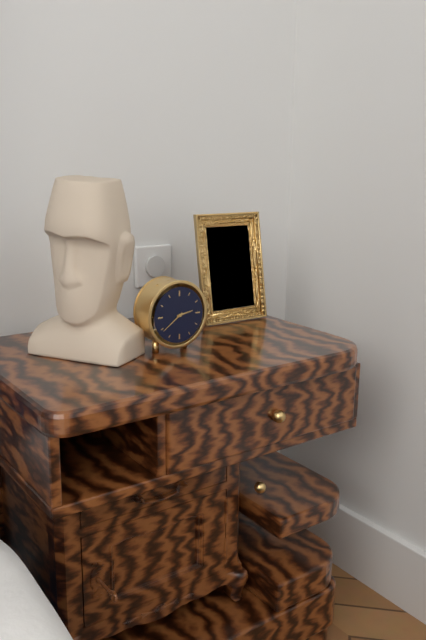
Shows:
2,39
